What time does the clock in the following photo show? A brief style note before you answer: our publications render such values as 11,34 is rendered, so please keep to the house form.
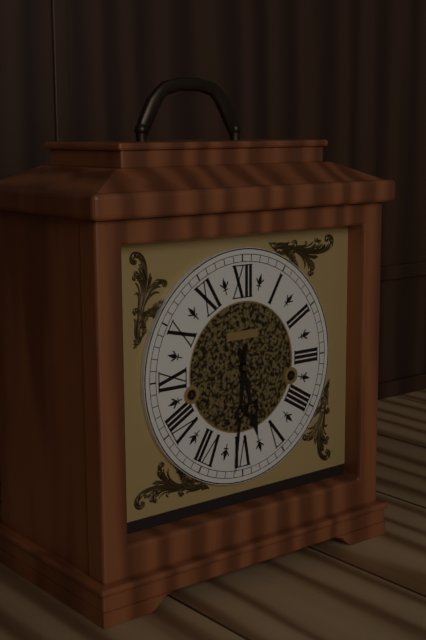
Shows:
5,31
